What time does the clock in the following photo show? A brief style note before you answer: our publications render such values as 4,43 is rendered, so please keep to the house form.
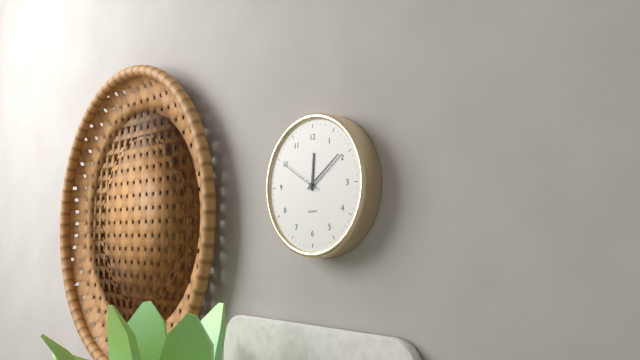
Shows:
12,09
